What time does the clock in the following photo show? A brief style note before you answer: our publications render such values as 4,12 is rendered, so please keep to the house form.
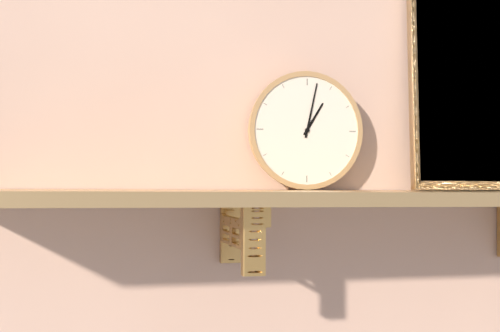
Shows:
1,02
